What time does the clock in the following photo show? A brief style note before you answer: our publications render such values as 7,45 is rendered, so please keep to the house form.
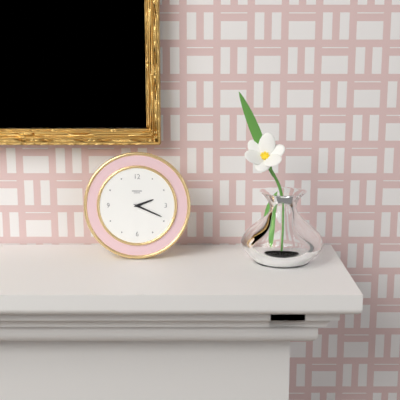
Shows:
2,19
